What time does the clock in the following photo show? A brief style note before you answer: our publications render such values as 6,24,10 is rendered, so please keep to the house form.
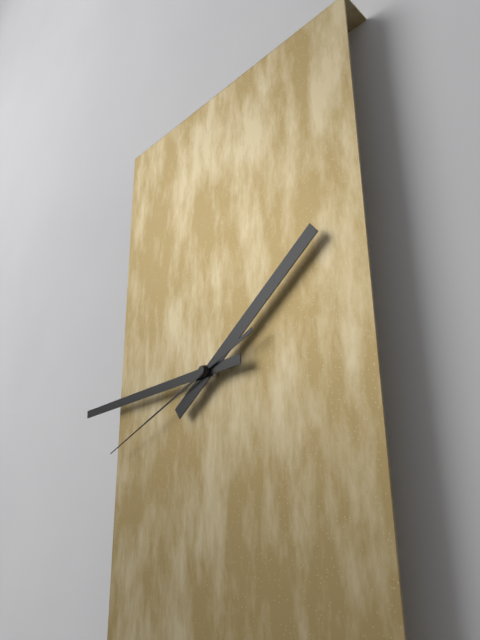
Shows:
1,44,41
